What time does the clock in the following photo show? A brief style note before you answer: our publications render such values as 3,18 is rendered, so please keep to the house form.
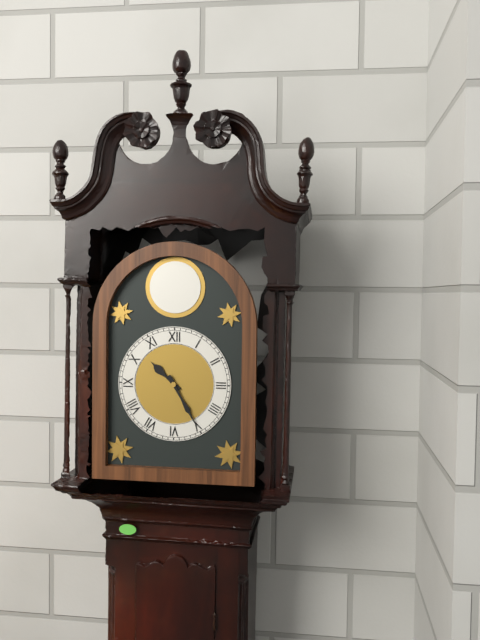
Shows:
10,25
